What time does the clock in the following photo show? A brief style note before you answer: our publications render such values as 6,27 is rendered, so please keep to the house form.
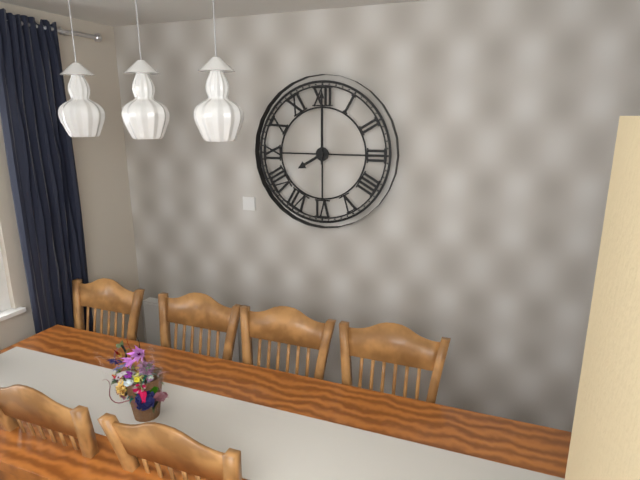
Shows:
8,00
